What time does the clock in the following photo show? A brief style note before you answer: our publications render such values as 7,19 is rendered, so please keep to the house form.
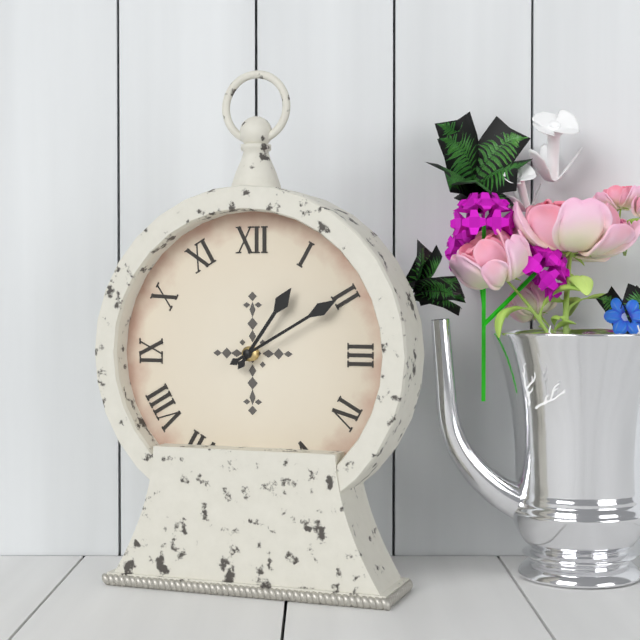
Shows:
1,10
